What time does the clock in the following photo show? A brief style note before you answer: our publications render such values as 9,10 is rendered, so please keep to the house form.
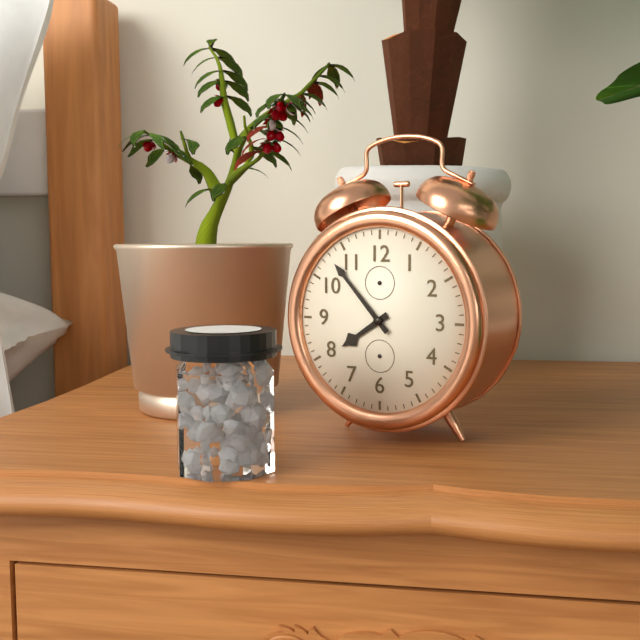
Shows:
7,53
